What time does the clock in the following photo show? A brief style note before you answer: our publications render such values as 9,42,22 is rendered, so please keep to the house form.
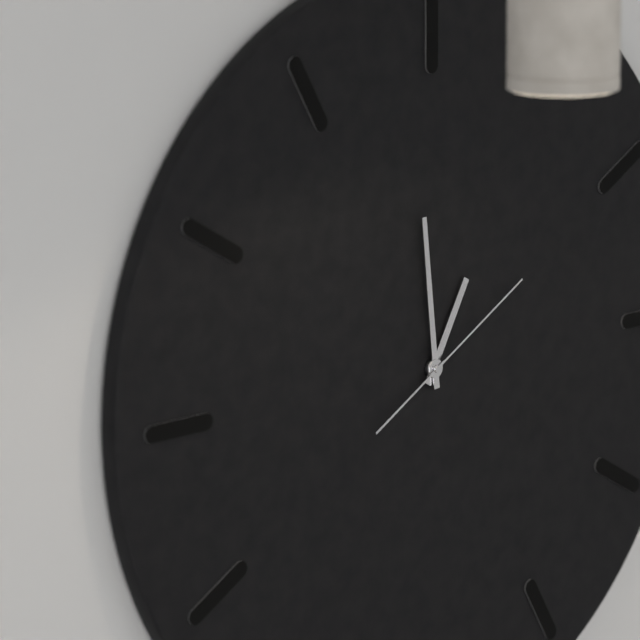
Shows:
12,59,10
